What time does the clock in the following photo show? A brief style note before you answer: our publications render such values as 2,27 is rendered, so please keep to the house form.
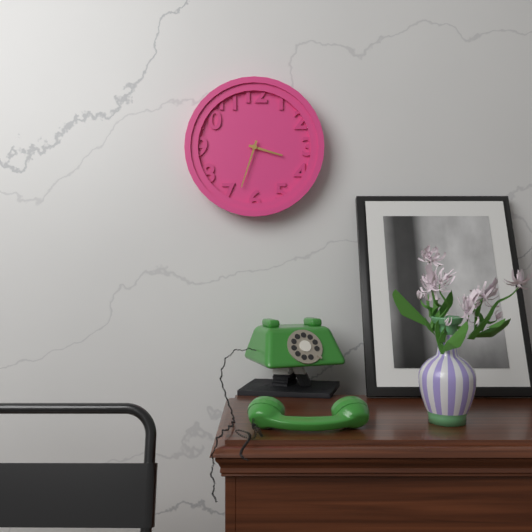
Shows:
3,33
